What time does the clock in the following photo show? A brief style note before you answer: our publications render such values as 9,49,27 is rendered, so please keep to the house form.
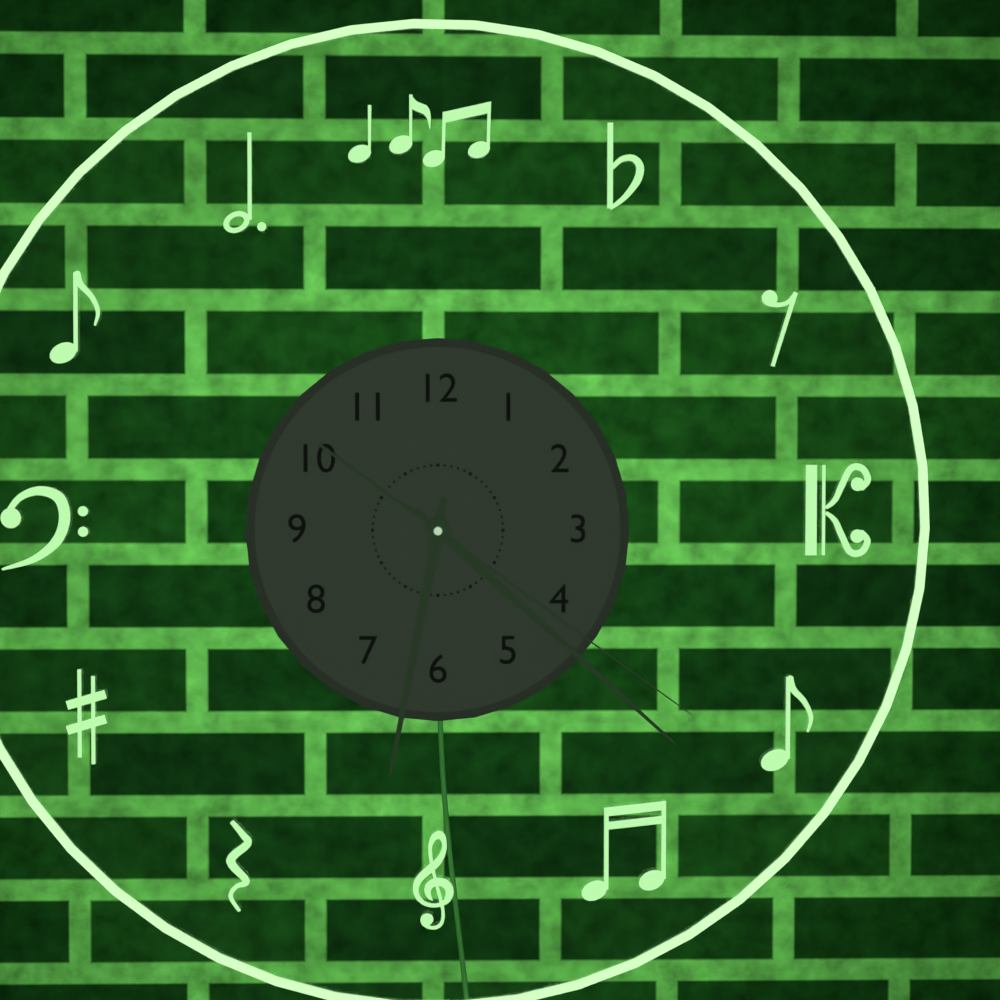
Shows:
6,22,21
